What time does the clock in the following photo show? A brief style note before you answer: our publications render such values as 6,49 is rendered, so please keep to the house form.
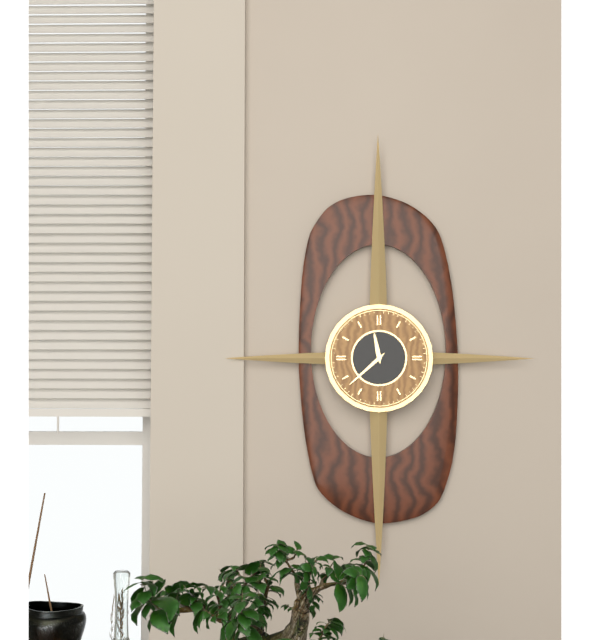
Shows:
11,38
